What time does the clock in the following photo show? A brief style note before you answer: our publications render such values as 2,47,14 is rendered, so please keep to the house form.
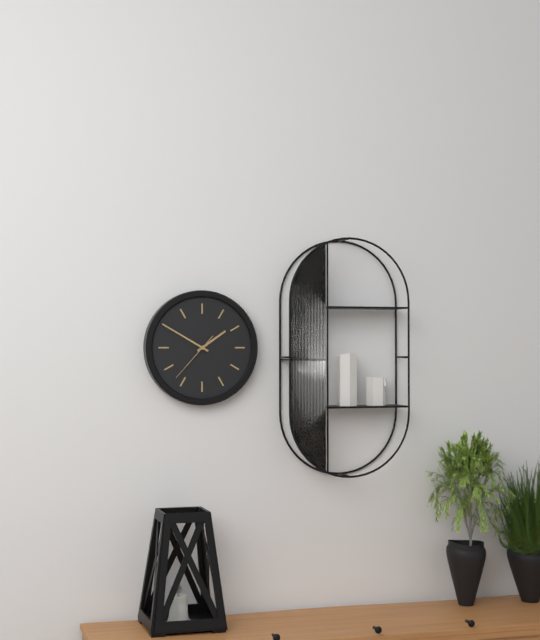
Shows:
1,50,37
